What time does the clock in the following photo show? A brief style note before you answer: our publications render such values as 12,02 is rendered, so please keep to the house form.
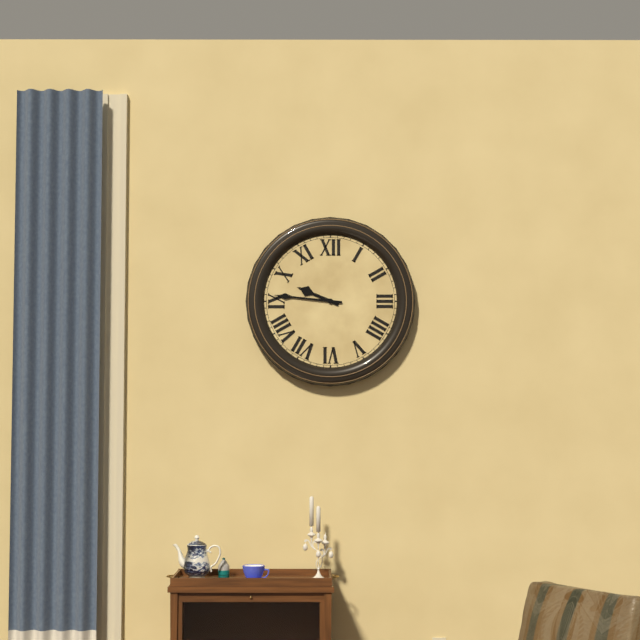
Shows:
9,46
